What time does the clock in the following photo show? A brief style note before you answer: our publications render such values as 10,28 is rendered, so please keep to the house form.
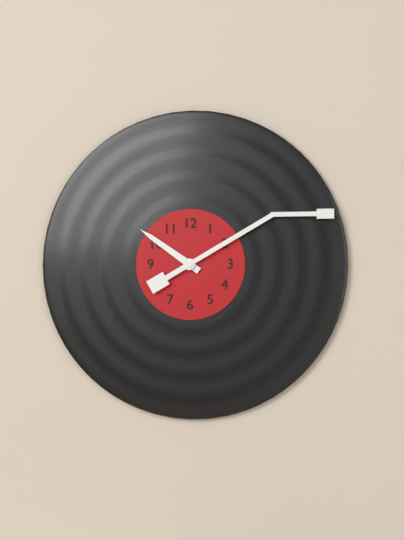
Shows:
10,10
